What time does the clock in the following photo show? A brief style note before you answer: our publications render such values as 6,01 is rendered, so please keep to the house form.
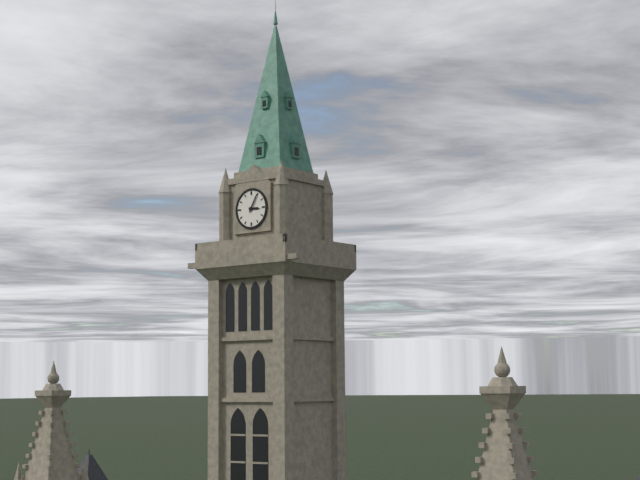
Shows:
3,05
